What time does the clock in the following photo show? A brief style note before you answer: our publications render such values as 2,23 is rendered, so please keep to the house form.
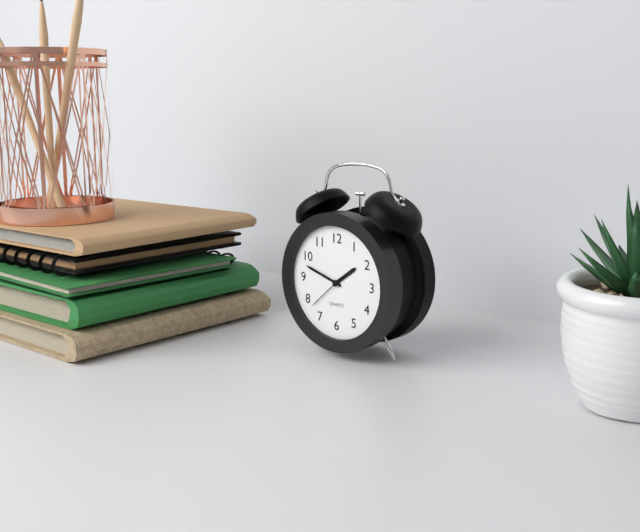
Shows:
1,48
